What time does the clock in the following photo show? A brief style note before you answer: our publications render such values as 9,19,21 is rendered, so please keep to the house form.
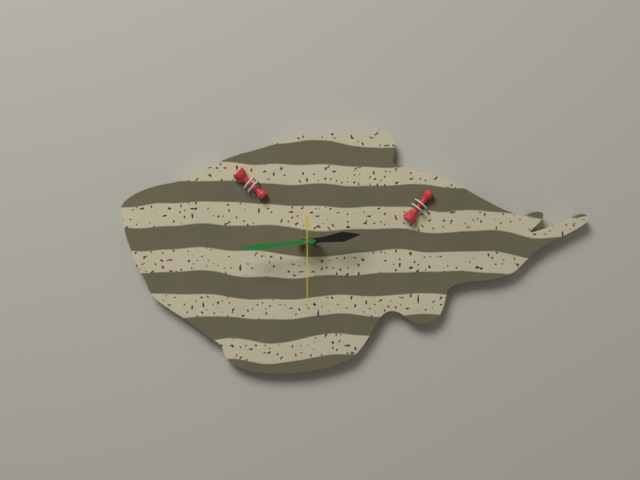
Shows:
2,44,30
